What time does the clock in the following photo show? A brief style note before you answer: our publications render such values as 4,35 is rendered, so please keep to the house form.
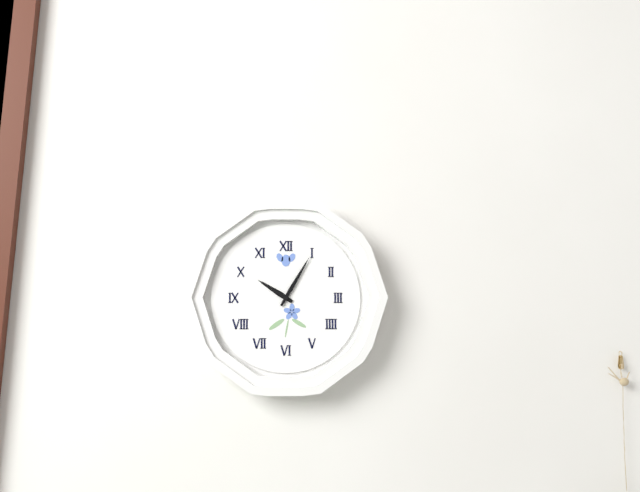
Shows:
10,05
